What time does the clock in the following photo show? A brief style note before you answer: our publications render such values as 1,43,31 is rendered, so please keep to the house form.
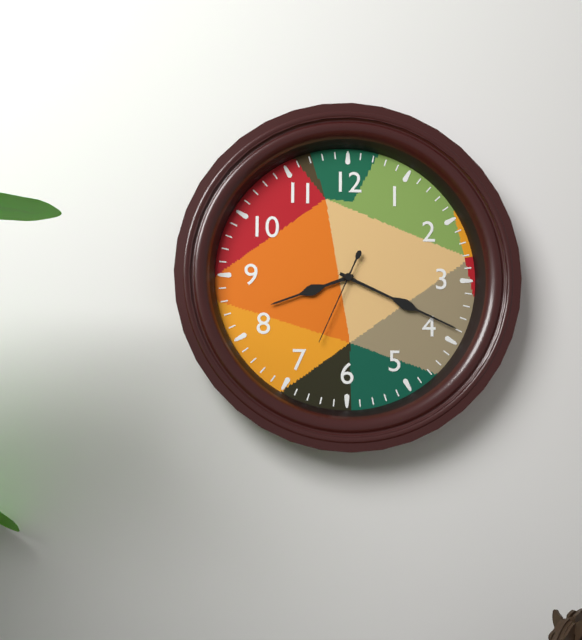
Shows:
8,19,34
